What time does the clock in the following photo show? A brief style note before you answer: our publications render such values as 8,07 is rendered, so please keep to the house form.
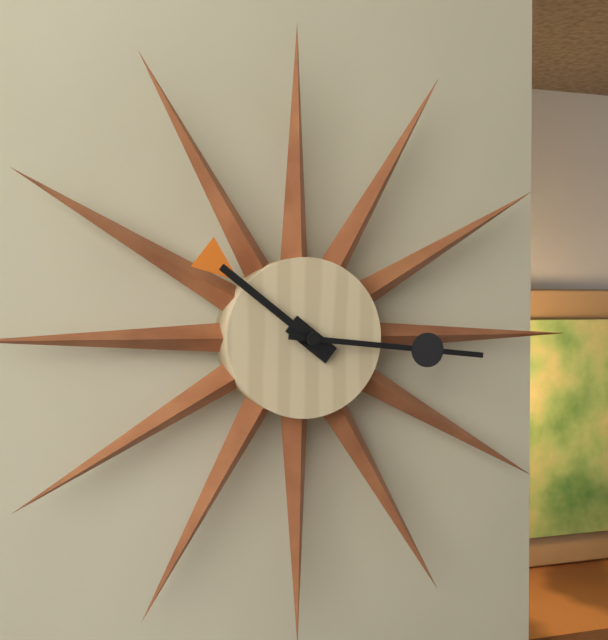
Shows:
10,16
